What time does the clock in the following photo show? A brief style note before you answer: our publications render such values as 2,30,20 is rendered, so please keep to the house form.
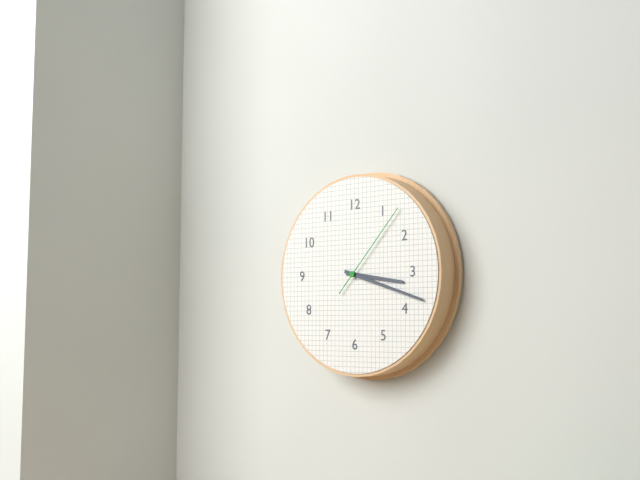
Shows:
3,18,07
